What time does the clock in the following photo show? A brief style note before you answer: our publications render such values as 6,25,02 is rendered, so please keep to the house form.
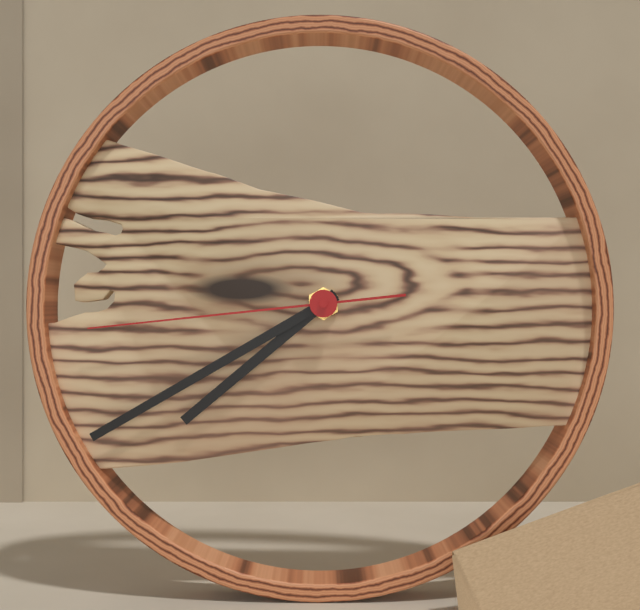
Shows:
7,40,44
